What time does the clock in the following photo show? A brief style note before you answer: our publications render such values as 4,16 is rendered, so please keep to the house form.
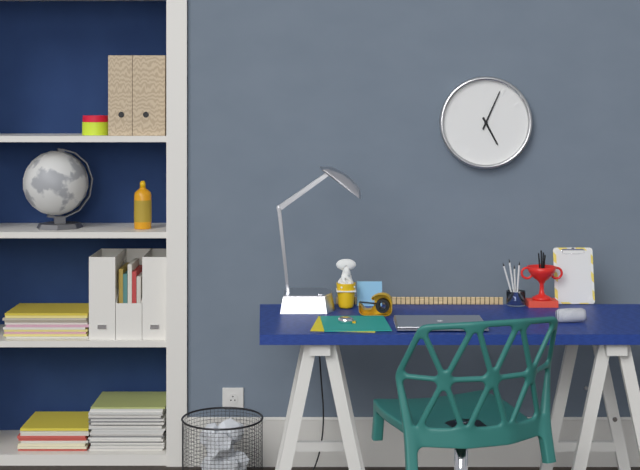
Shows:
5,04
